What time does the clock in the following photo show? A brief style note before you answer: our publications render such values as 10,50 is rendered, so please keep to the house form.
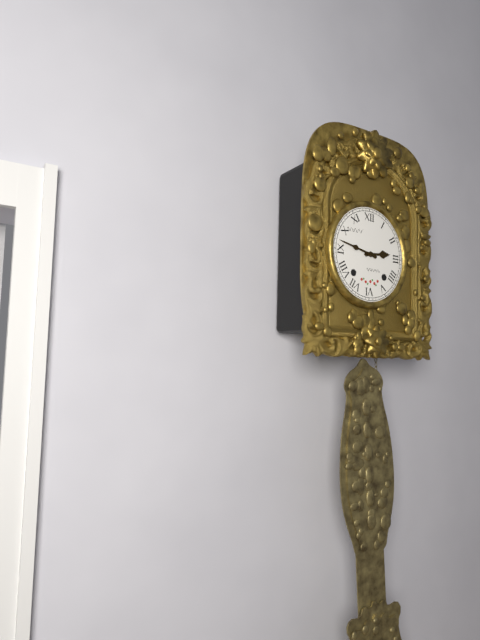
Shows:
2,47
